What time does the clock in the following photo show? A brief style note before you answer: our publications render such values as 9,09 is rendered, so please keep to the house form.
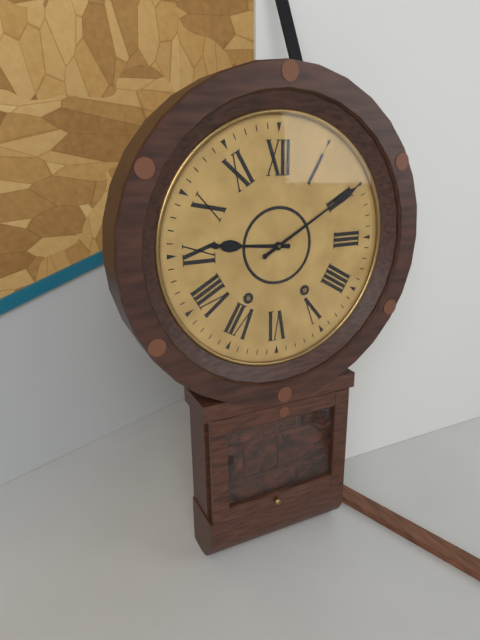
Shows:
9,10
